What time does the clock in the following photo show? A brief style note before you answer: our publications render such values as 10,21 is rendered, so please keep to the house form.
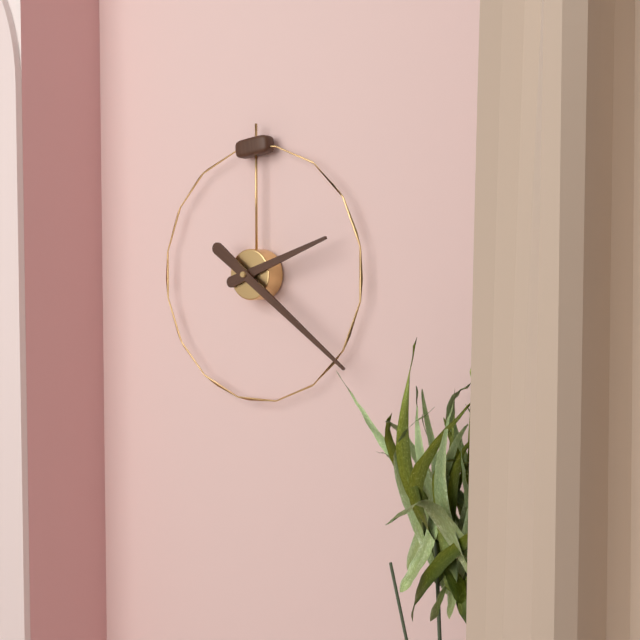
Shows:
2,21
